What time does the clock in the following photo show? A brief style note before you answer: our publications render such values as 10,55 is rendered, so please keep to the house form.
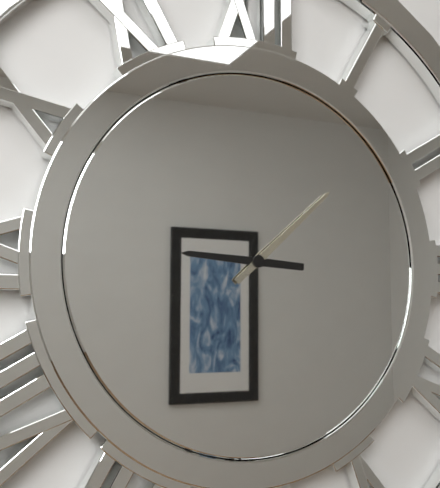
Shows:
9,08
